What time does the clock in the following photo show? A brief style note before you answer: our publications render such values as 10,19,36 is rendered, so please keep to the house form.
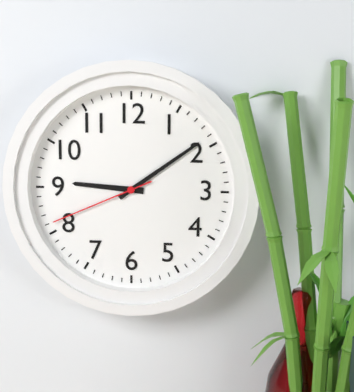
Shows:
9,09,41
